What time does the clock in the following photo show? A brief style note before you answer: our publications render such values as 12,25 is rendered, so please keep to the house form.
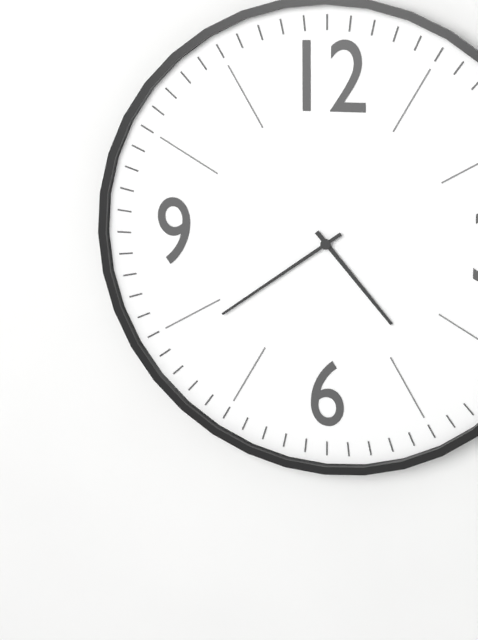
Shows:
4,39
